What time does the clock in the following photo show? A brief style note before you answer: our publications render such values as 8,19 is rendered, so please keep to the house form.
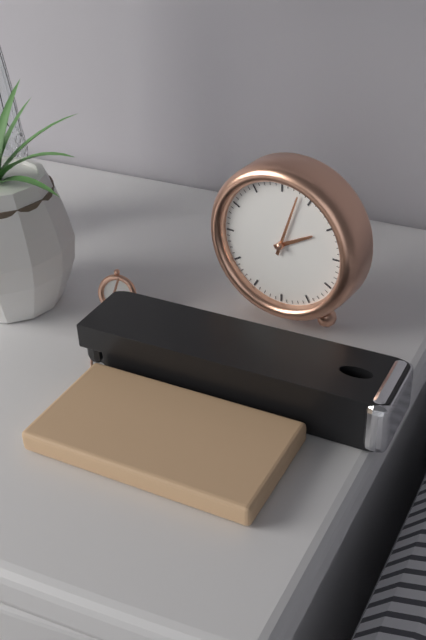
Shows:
2,03
